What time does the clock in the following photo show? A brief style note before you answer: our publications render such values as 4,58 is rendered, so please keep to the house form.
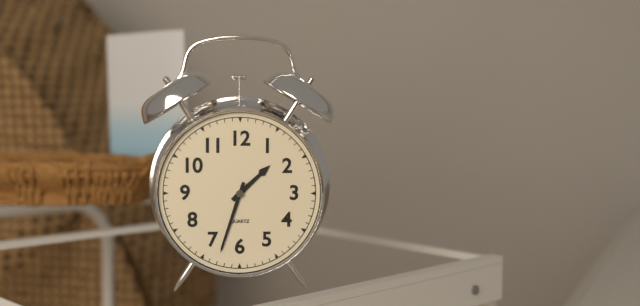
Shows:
1,33
